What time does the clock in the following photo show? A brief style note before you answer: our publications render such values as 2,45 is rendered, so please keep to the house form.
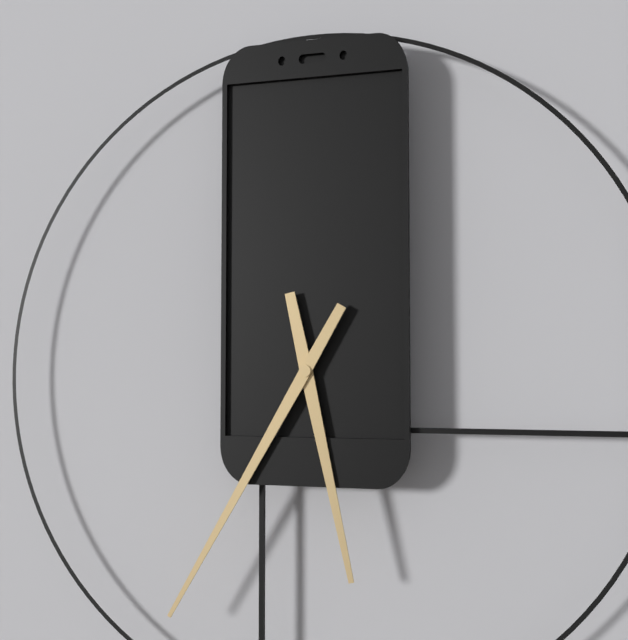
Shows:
5,35
